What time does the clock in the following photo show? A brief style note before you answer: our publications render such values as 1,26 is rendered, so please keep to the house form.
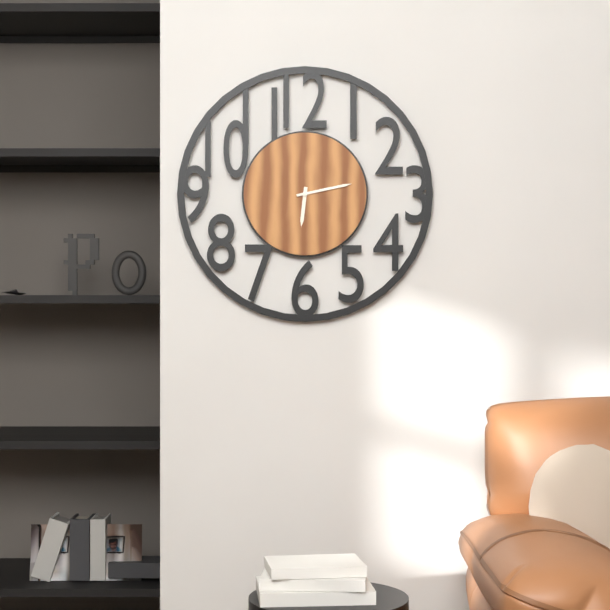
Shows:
6,13
